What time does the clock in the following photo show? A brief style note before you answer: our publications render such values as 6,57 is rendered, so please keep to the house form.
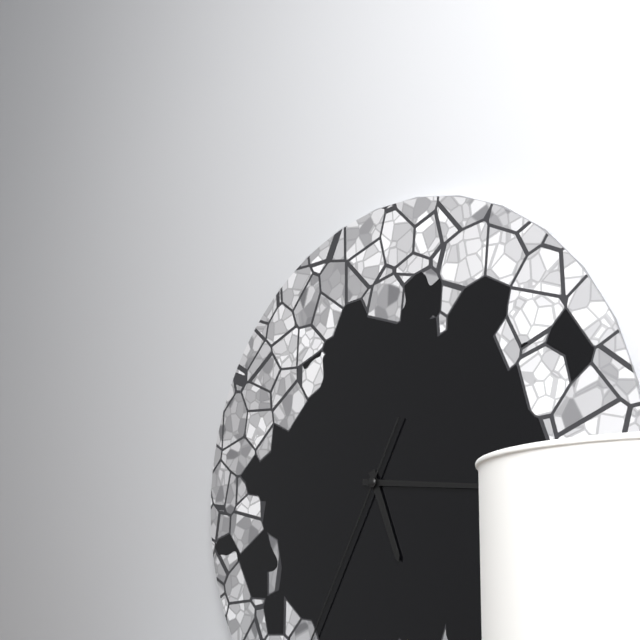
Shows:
5,16
